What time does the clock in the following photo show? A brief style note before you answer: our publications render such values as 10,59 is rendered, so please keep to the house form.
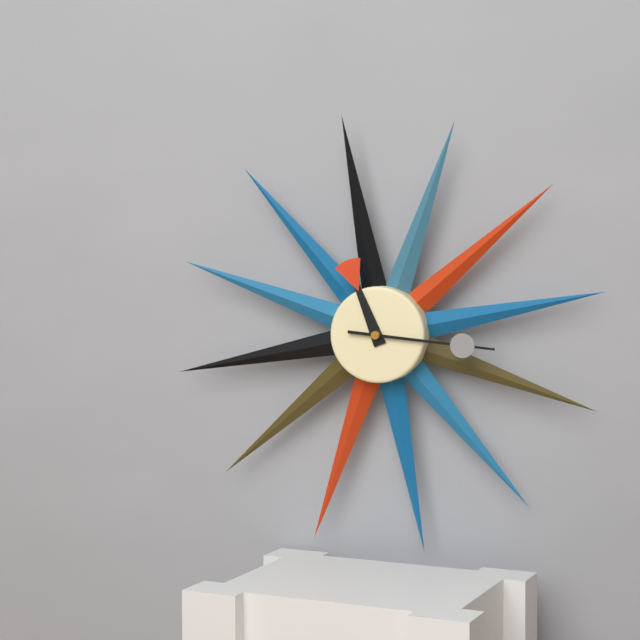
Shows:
11,16
